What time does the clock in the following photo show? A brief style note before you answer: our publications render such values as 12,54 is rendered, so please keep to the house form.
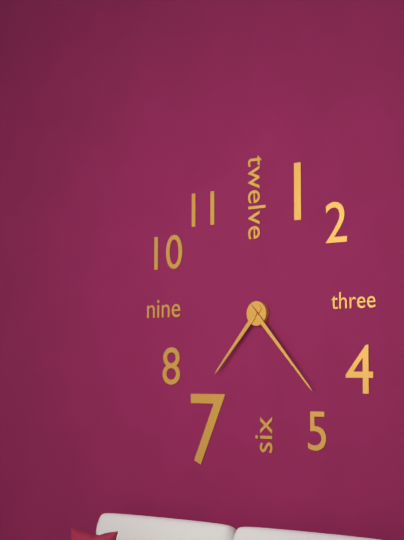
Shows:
7,23
